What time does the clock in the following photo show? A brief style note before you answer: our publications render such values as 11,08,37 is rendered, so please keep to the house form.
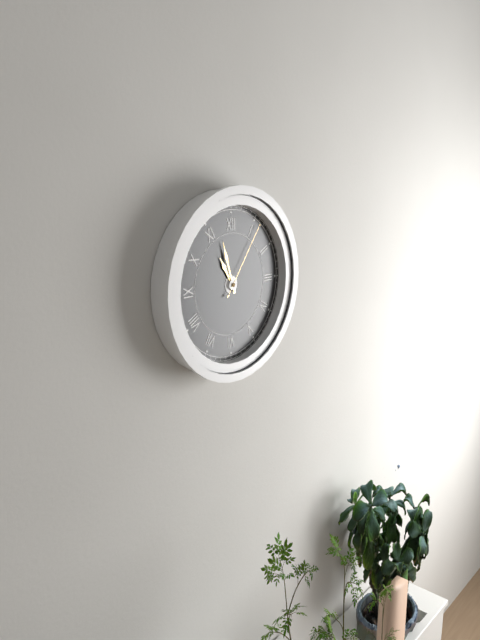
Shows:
10,57,06
